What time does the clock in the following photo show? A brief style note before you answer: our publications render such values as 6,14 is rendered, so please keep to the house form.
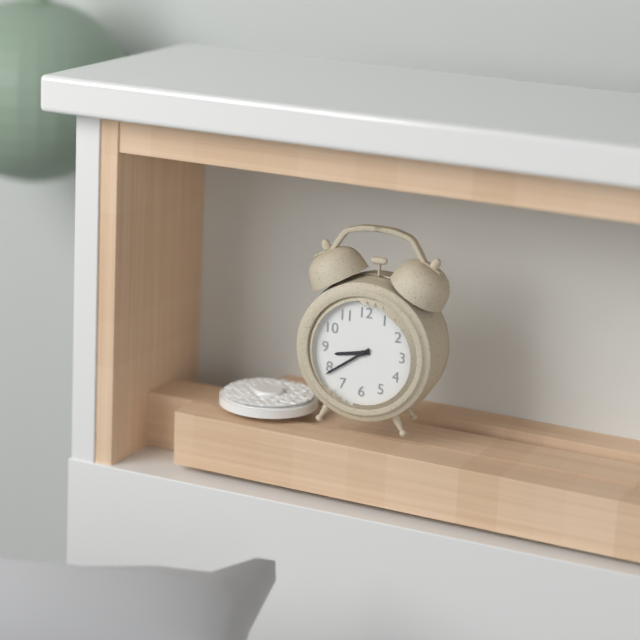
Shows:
8,39
